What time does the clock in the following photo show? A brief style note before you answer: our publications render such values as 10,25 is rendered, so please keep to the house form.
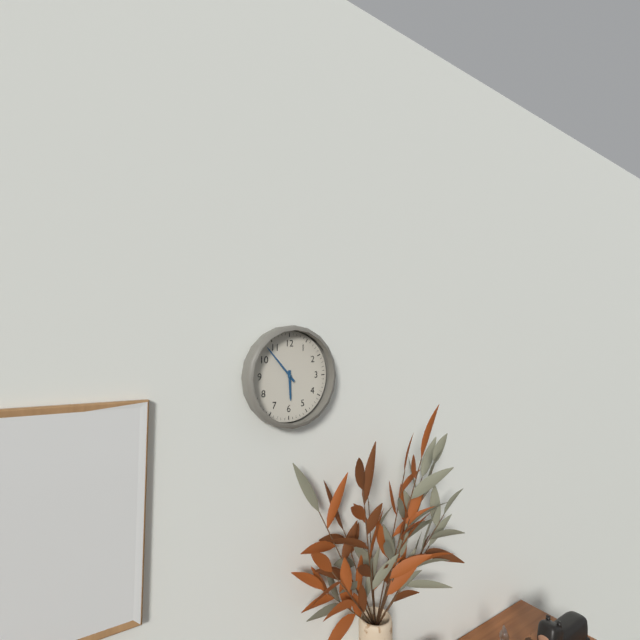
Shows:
5,53
